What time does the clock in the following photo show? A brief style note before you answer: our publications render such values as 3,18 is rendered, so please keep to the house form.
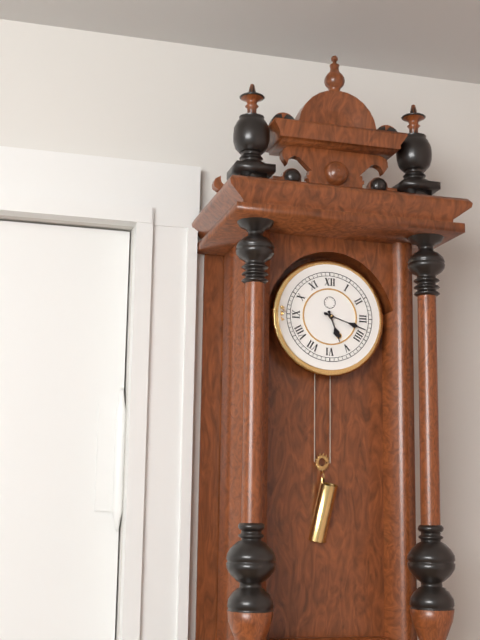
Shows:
5,18
